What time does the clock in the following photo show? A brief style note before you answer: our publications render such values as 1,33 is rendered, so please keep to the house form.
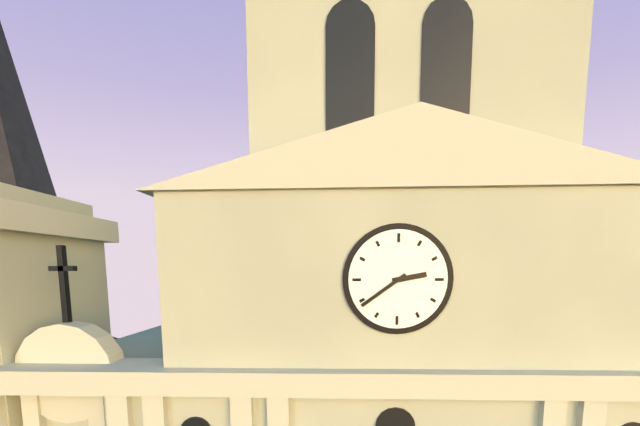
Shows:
2,39
